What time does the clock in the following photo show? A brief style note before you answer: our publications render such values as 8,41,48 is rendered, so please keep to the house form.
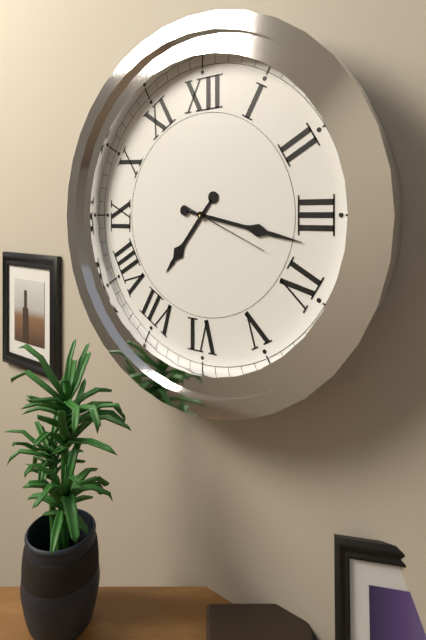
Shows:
7,17,19
